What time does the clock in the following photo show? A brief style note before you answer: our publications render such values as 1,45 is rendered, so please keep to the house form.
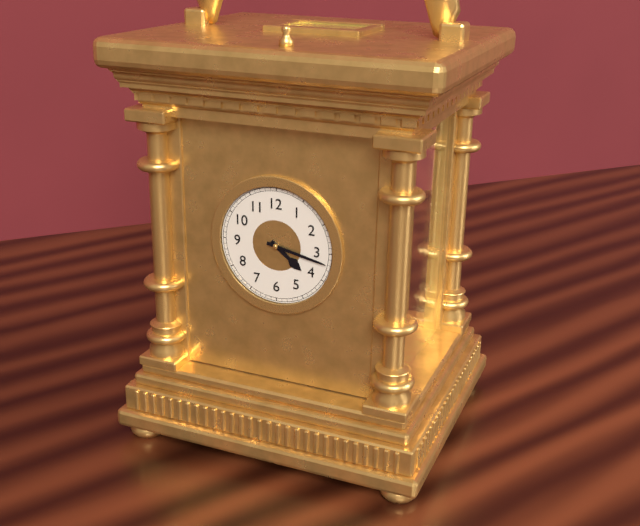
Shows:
4,17
